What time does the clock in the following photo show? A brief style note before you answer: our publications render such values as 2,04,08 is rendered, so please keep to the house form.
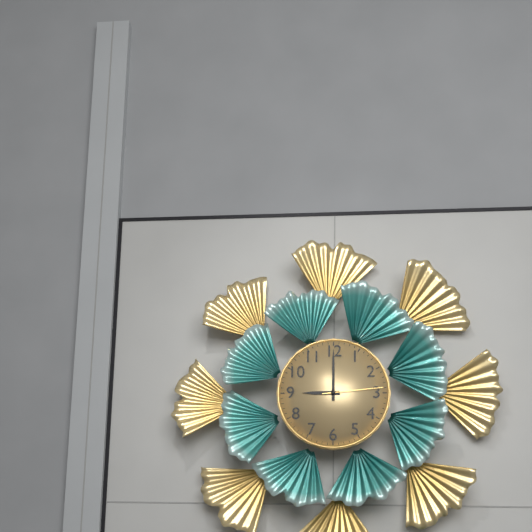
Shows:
9,00,14
